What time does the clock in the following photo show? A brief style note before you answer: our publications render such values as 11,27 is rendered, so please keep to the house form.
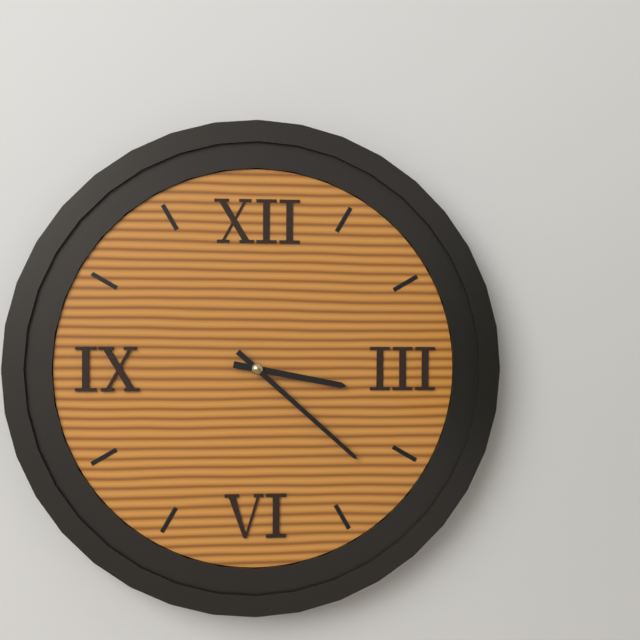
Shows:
3,22
